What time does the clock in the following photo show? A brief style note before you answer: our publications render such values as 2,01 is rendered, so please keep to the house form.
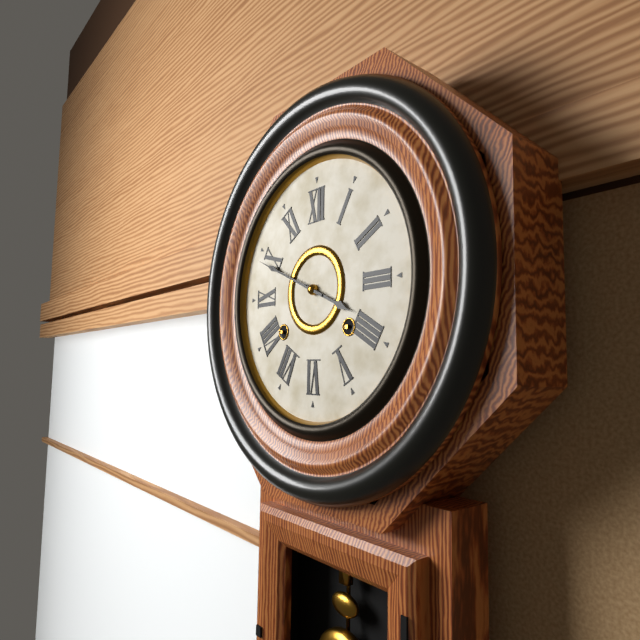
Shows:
3,49
